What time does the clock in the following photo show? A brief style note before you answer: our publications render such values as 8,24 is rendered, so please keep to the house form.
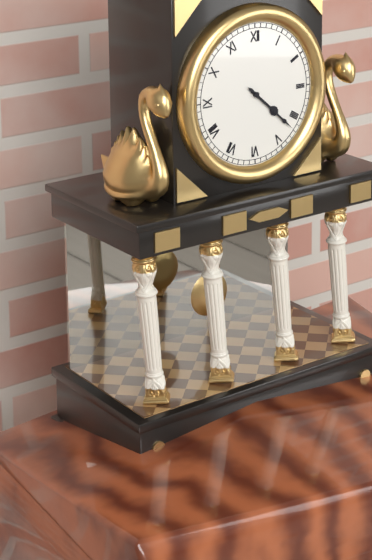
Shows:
4,22
